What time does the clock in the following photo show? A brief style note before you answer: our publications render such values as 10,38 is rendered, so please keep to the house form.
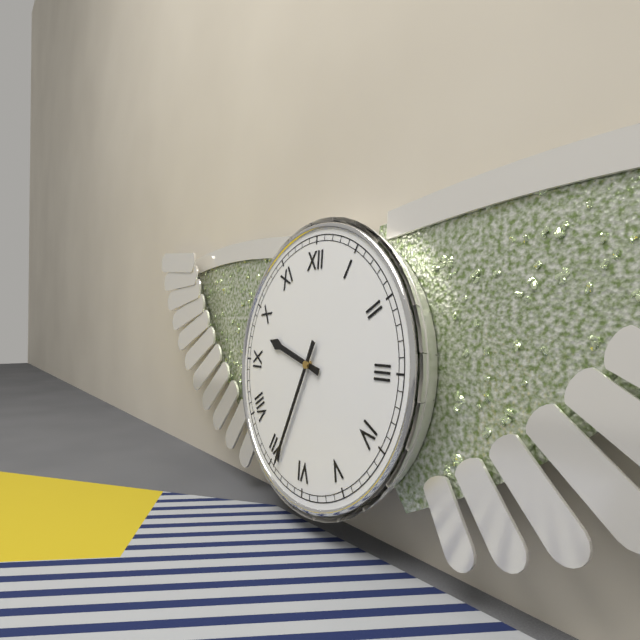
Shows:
9,34
